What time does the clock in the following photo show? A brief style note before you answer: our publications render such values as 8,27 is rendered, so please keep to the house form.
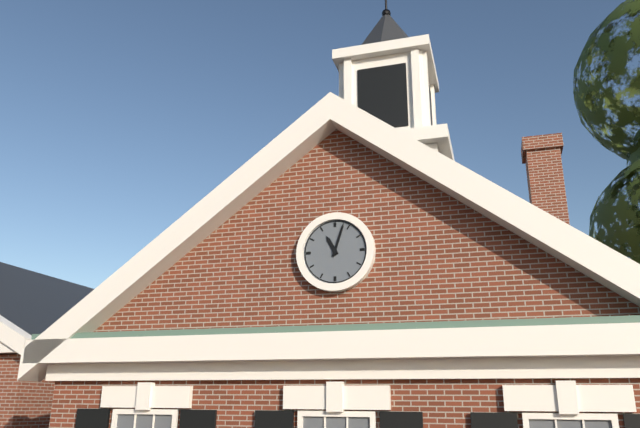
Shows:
11,03
